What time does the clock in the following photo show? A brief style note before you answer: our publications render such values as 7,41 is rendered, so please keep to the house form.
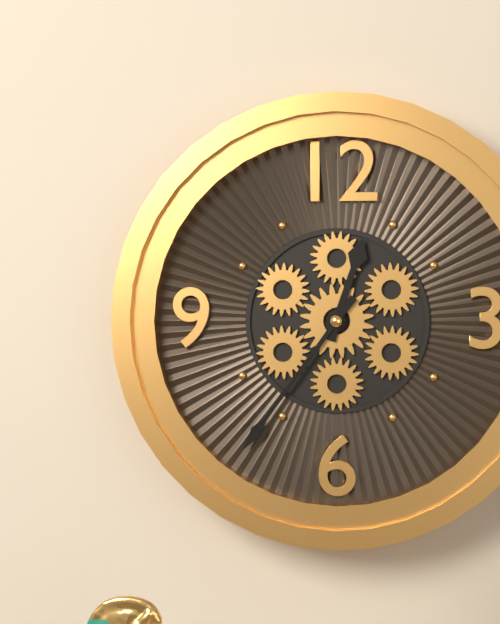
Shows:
12,36
